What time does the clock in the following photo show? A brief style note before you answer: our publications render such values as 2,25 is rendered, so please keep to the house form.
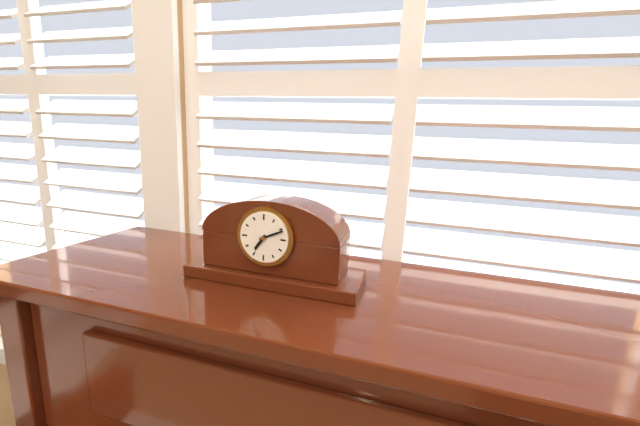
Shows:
7,11
